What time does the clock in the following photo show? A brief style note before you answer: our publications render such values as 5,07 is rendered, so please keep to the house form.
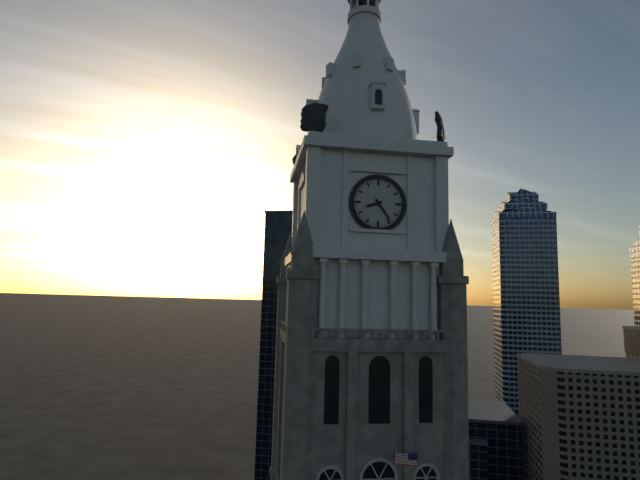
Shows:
8,24
